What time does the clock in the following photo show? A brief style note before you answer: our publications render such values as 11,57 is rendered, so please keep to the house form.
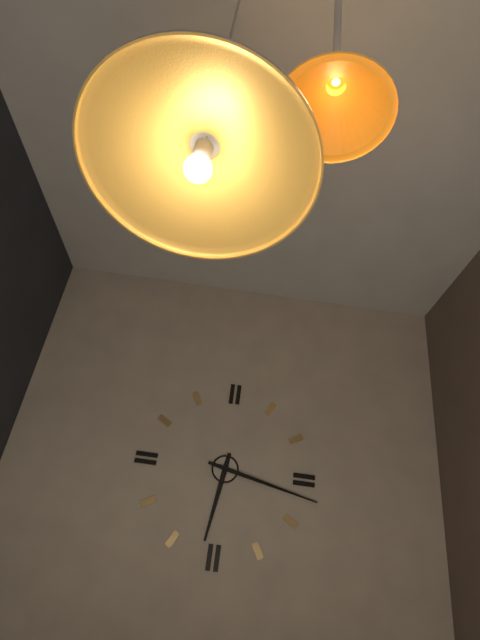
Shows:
6,17
